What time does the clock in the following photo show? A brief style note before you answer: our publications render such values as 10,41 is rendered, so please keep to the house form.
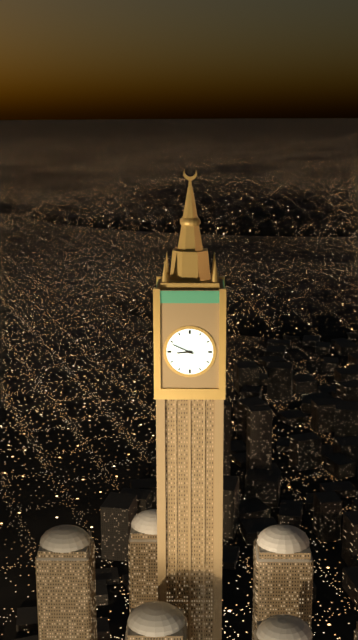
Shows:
8,49
